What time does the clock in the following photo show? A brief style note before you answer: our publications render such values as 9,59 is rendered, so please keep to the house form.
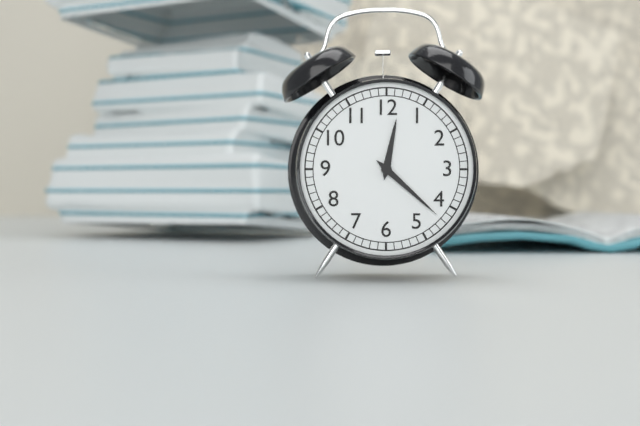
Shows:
12,22
